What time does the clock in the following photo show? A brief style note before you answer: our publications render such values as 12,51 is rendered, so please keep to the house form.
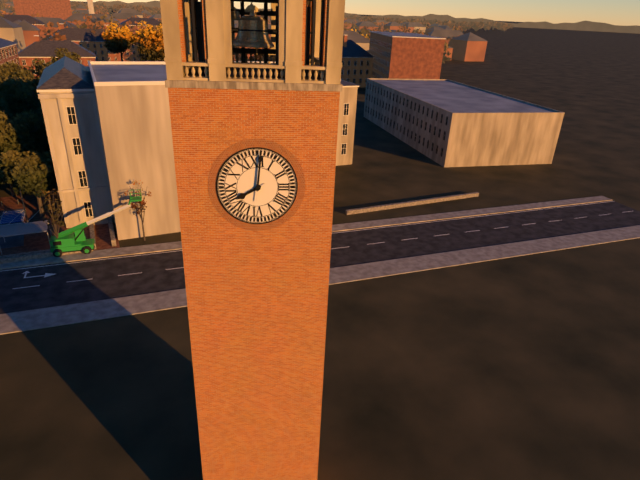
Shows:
8,01
